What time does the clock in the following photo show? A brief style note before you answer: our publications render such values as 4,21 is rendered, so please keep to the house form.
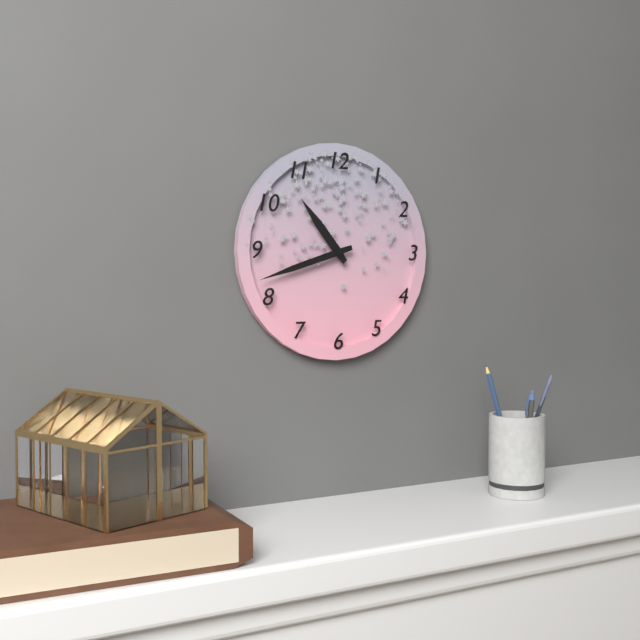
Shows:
10,42
